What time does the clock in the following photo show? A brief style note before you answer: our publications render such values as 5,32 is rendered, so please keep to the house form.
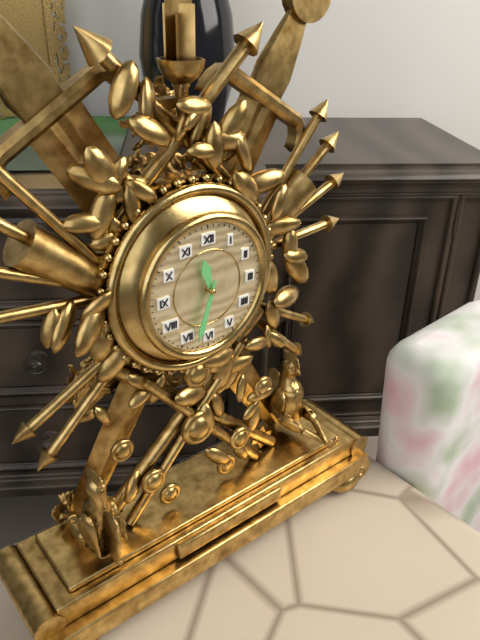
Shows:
11,33
